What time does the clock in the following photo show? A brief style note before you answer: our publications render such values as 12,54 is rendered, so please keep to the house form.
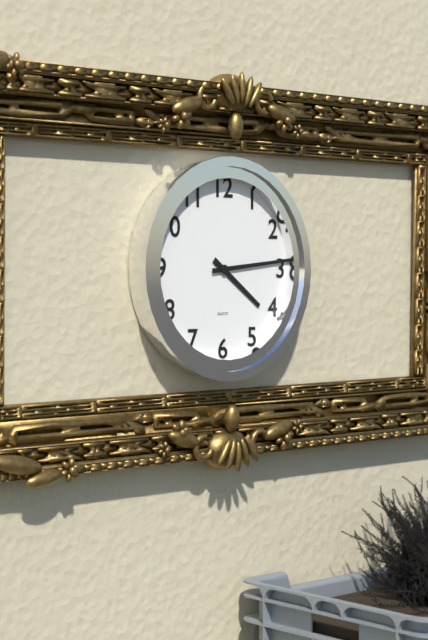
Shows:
4,14
